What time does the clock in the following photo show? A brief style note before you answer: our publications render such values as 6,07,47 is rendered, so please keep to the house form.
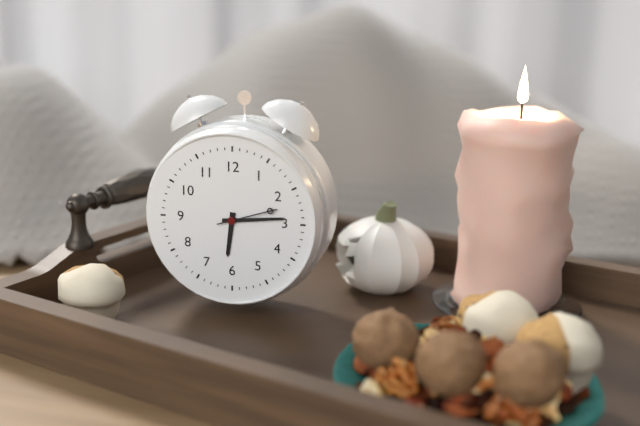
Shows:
6,14,12
